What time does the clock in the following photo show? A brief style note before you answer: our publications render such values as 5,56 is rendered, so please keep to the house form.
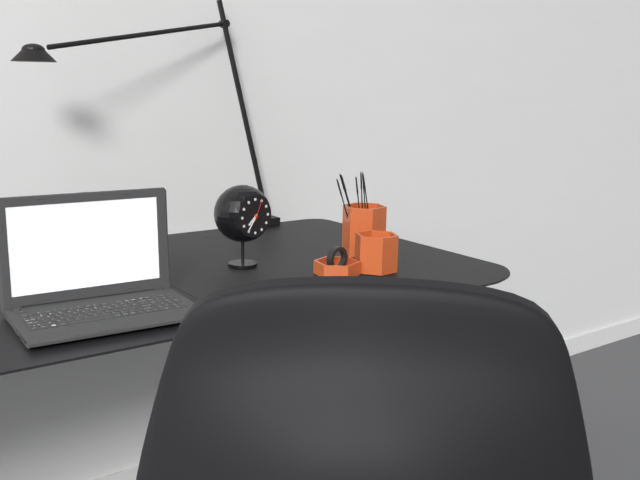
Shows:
7,36
